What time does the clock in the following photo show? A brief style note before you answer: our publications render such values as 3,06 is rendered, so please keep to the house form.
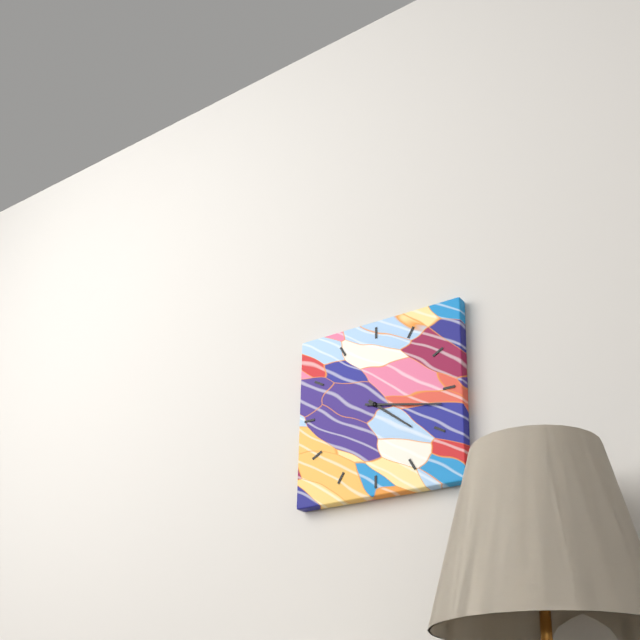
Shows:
4,17
